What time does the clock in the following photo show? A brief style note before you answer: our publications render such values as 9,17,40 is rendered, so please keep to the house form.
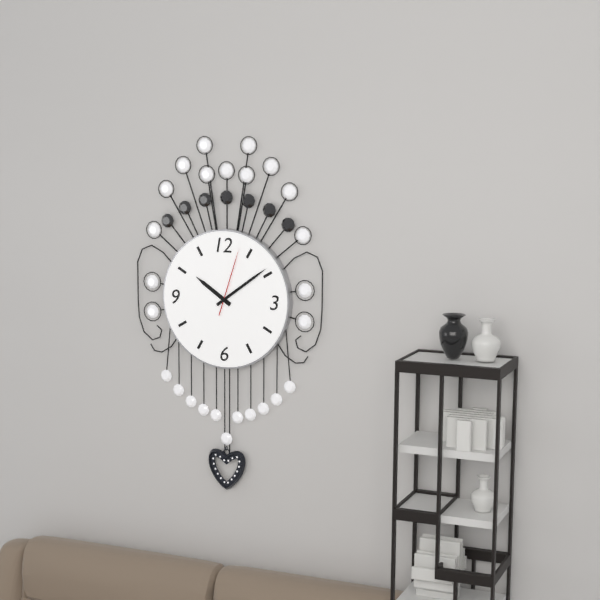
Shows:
10,09,03
